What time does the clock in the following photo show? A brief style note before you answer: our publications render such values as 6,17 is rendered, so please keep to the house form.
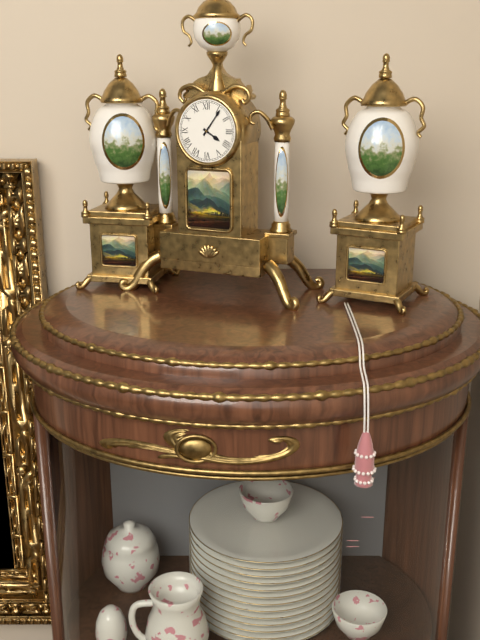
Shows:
4,06
